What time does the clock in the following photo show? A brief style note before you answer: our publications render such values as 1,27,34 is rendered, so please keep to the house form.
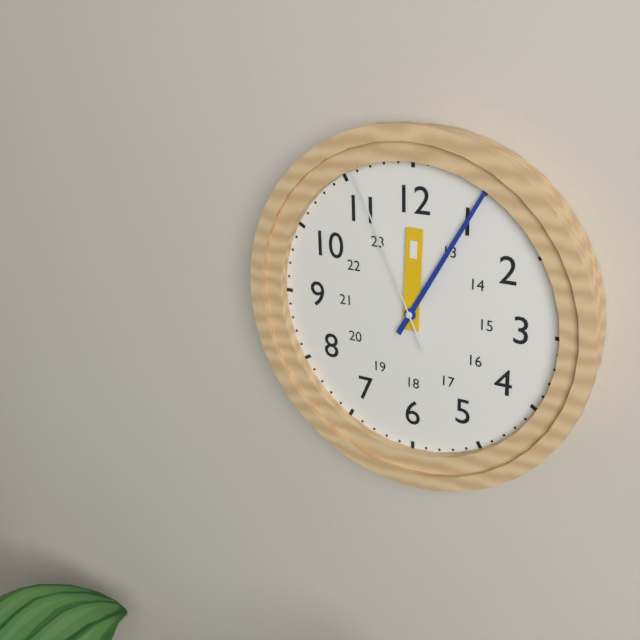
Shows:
12,05,56
